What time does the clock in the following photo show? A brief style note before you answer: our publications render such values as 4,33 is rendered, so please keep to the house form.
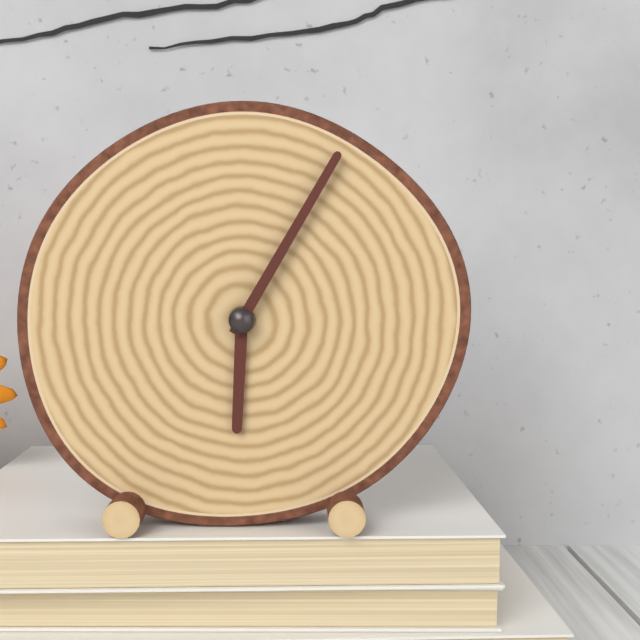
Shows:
6,05
